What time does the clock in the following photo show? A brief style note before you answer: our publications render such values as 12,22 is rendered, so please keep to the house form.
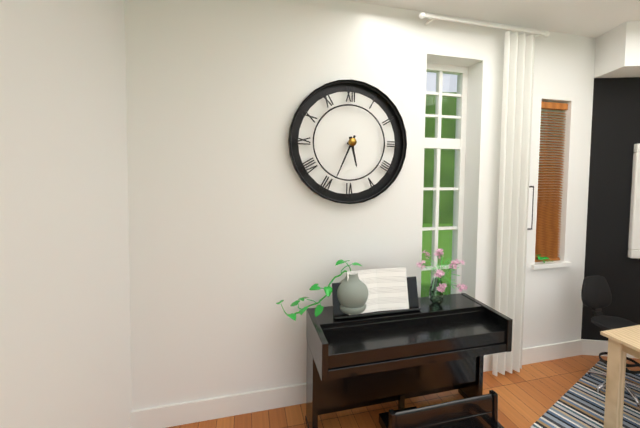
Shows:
5,34
